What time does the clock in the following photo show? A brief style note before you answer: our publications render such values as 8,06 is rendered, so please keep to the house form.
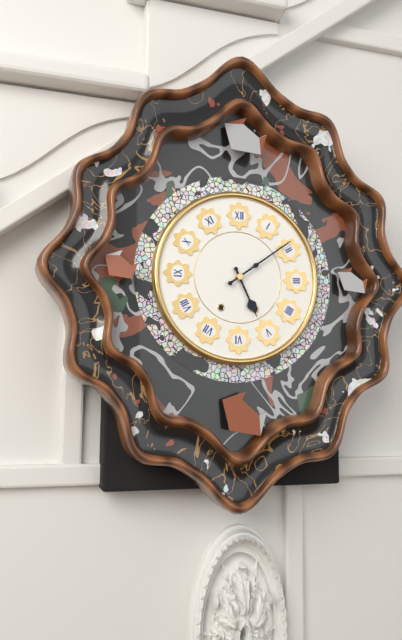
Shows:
5,09
